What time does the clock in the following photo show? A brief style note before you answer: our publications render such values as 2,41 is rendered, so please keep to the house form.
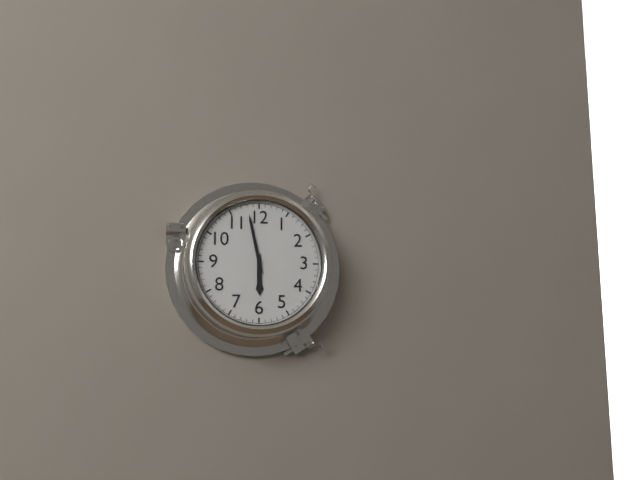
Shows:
5,58
